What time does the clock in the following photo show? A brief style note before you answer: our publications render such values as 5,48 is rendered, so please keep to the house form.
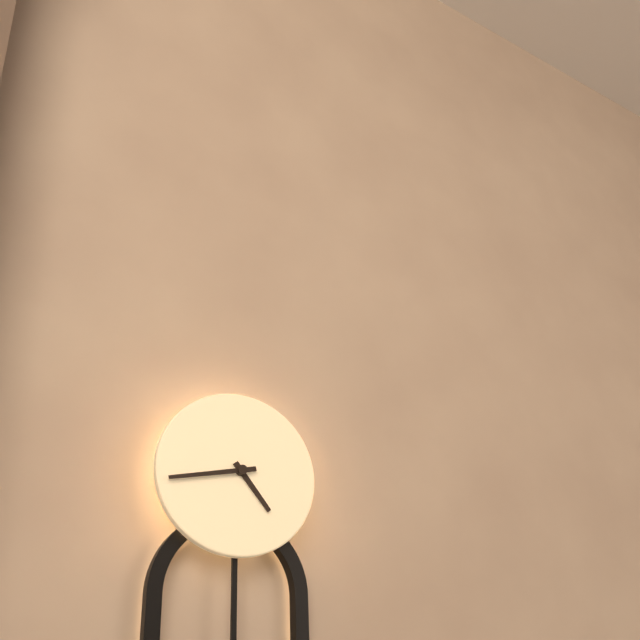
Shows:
4,43
